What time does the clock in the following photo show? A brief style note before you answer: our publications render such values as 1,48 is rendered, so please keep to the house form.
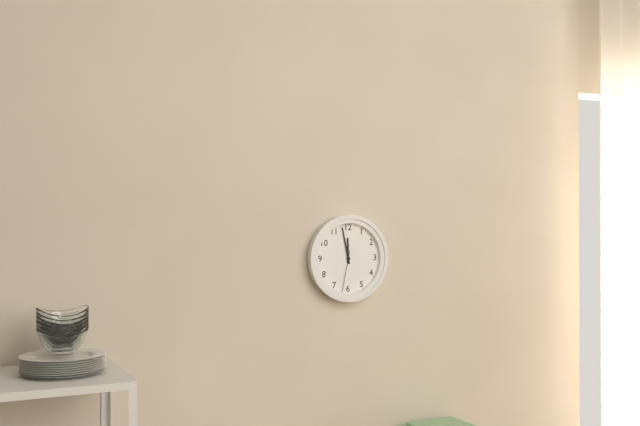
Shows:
11,58
